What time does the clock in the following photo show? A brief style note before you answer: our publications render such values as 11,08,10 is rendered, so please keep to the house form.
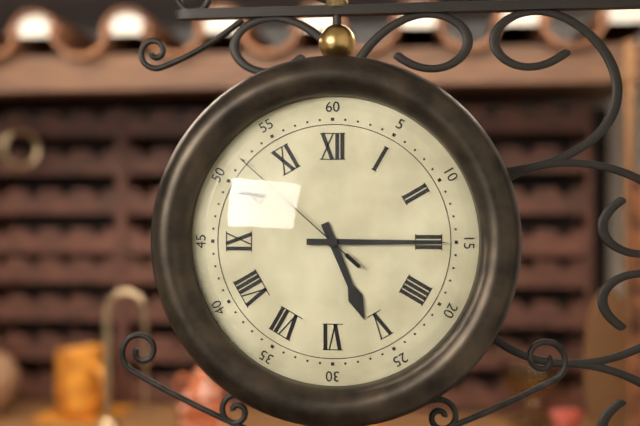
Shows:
5,15,52
